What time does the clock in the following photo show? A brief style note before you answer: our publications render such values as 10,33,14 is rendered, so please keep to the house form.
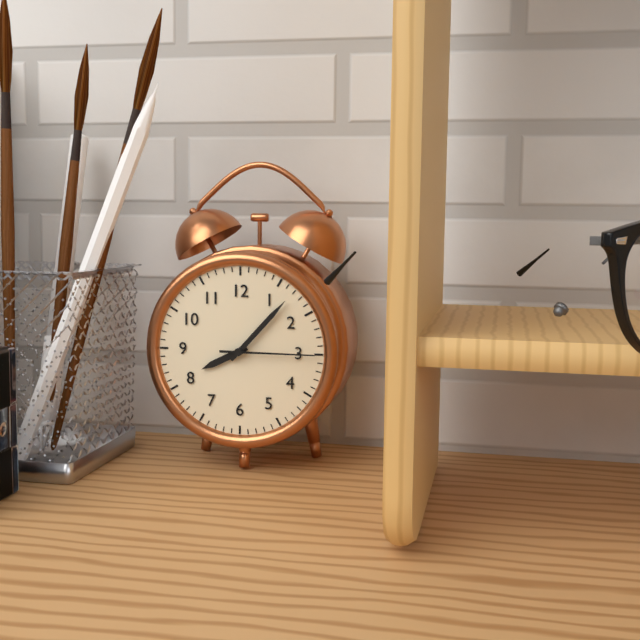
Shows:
8,07,15
